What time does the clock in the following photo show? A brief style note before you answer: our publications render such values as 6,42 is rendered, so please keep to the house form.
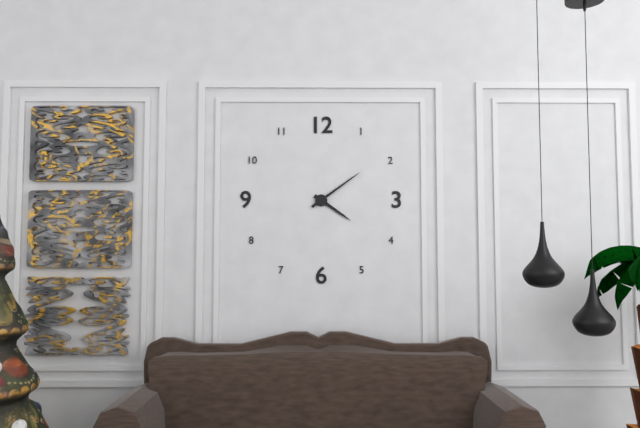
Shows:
4,09
